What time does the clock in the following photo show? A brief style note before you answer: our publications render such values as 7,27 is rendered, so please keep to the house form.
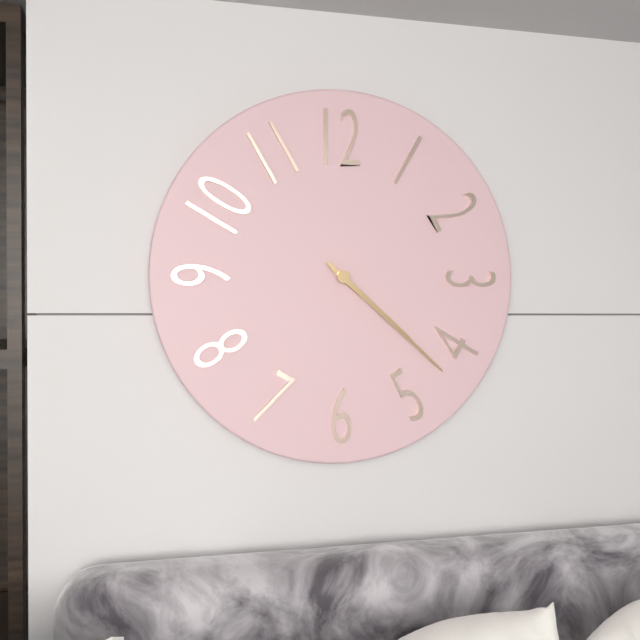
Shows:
4,22
